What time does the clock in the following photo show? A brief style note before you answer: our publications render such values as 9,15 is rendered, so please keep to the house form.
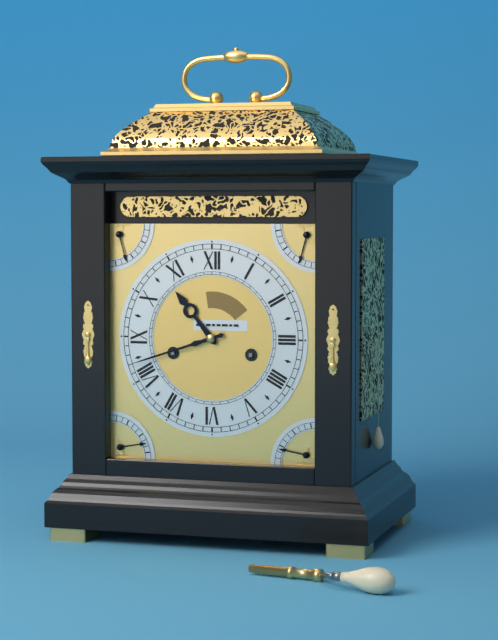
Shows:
10,42
